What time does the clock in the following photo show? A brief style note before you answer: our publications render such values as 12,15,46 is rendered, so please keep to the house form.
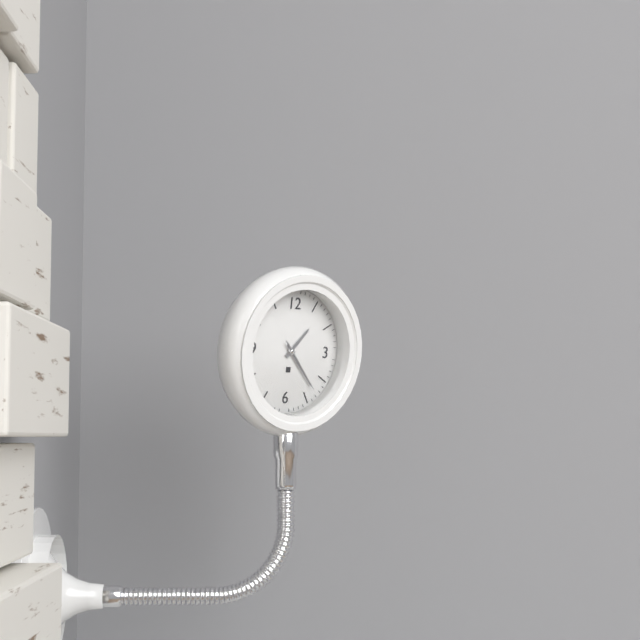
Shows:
1,23,23
